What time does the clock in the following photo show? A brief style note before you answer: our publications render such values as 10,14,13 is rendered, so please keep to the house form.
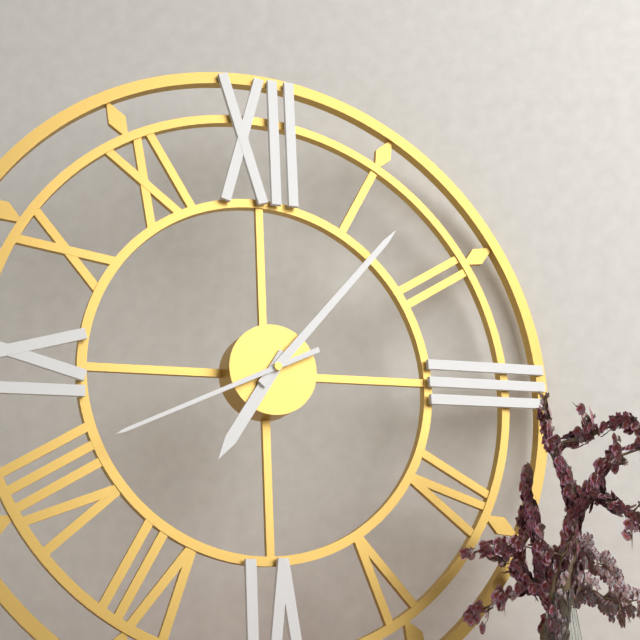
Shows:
7,07,41
